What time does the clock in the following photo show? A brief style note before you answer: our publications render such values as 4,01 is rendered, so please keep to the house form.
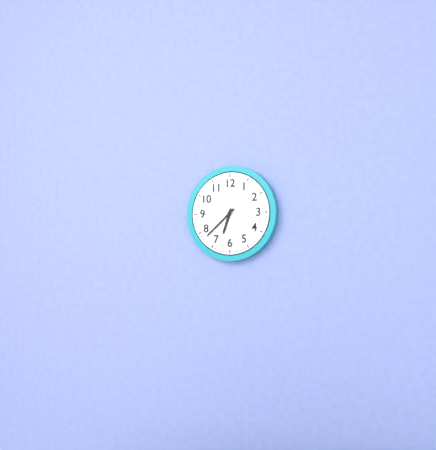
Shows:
6,38
